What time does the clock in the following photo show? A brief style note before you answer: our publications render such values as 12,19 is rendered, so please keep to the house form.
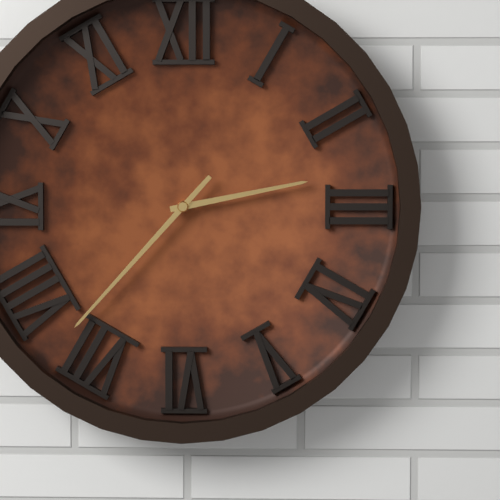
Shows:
2,37
